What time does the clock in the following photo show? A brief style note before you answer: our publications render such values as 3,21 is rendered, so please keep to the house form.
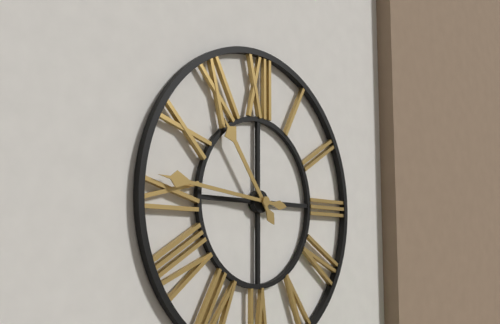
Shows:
10,46
